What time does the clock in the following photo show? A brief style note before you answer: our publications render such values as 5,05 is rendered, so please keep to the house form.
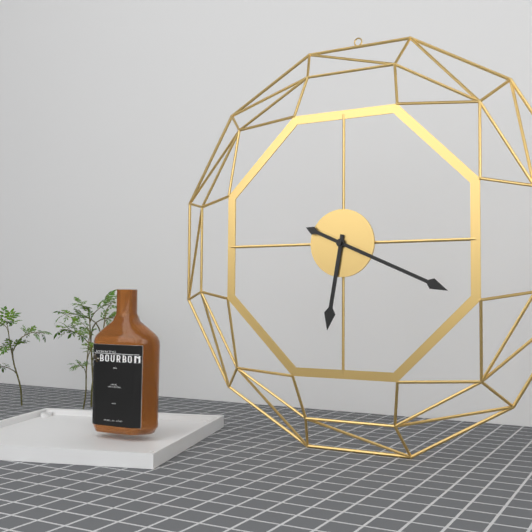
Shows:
6,19
